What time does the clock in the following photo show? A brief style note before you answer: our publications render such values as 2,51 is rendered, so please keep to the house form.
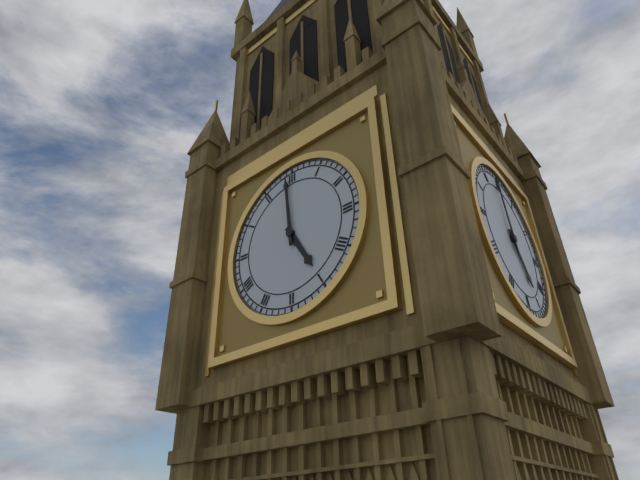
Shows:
4,59
